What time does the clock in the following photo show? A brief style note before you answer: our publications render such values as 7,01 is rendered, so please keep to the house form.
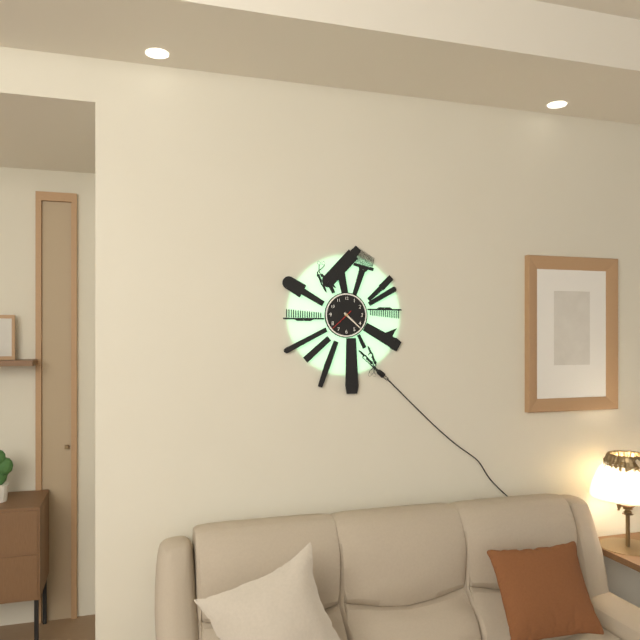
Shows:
4,22
